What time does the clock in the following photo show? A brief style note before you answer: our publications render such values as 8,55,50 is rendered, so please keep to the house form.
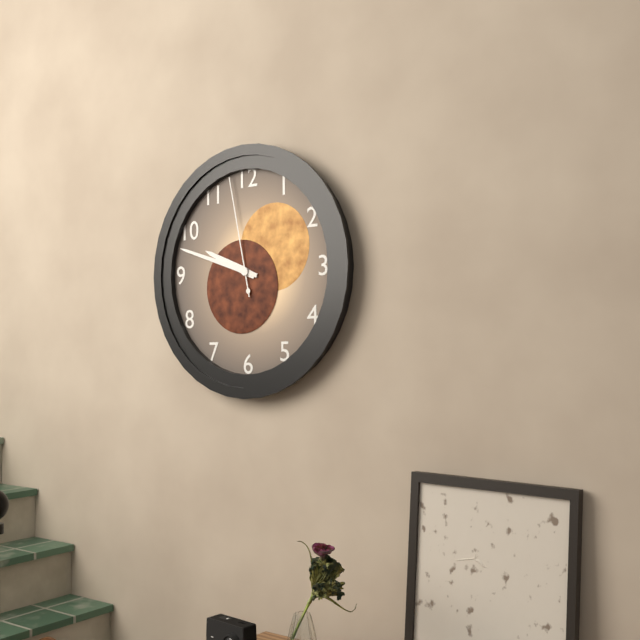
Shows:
9,48,58
